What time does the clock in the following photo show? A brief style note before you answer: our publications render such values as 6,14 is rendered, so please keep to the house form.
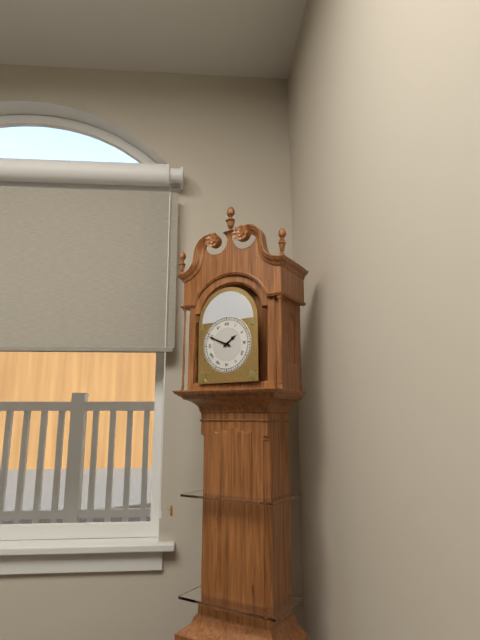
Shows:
1,49
